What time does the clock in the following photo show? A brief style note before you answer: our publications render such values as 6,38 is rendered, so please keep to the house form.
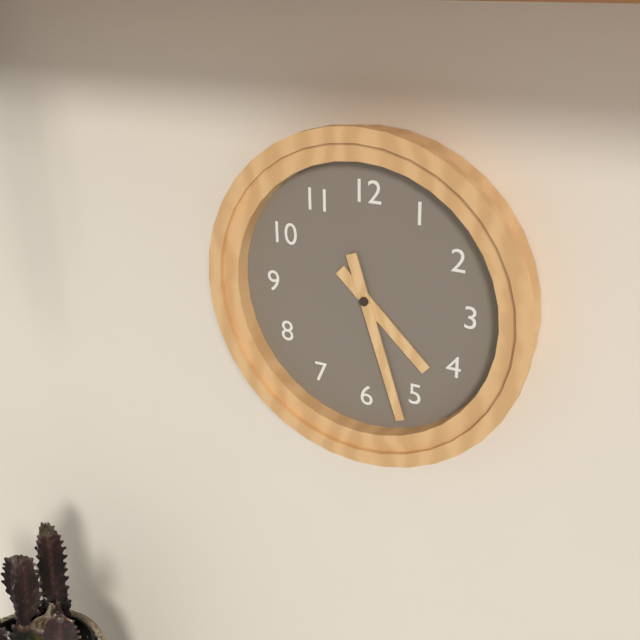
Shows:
4,27
